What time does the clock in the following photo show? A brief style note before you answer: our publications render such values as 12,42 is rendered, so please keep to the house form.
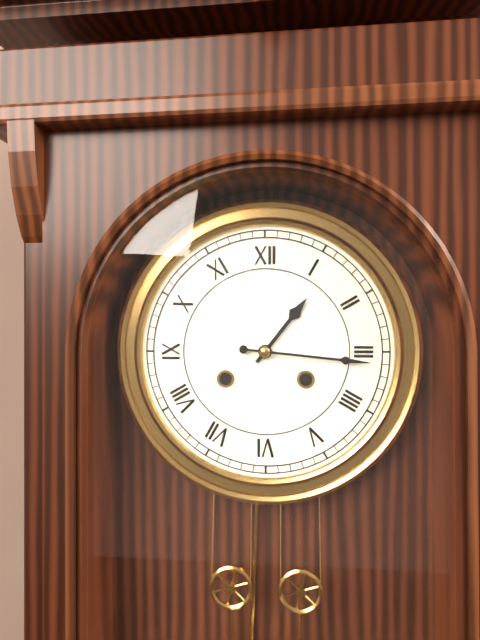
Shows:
1,16
